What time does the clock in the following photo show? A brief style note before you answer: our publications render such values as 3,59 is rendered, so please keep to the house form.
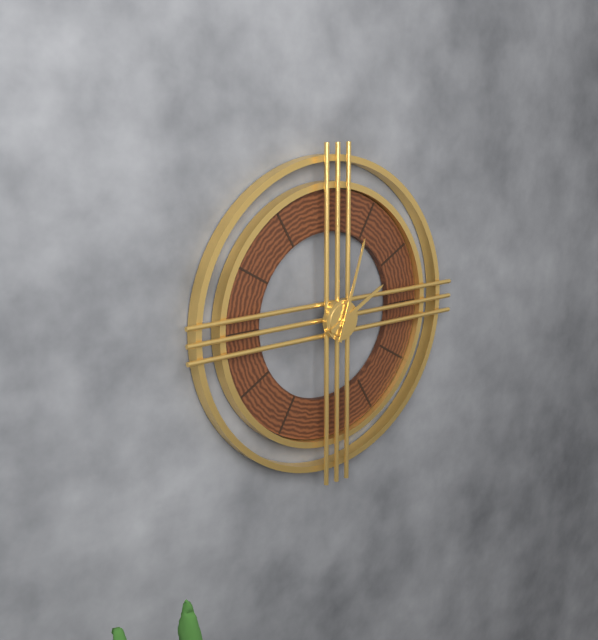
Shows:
2,03
